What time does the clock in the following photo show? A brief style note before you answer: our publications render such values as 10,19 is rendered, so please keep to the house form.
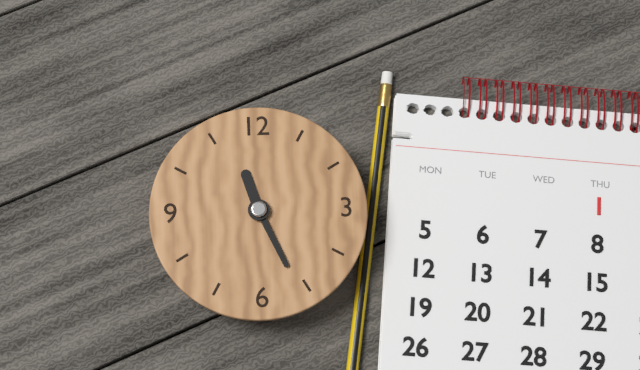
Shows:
11,26
